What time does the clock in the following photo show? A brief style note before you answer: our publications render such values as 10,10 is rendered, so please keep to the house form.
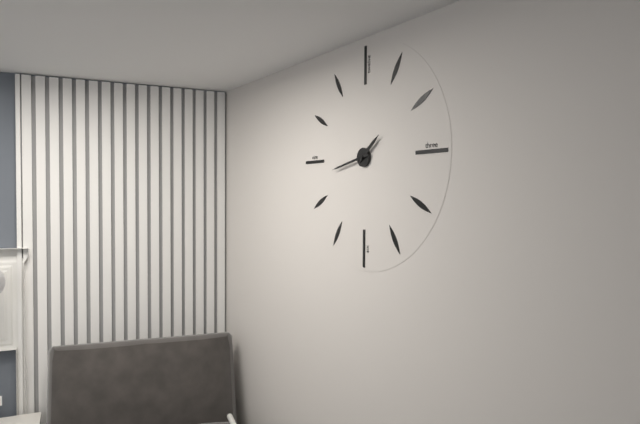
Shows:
1,43
